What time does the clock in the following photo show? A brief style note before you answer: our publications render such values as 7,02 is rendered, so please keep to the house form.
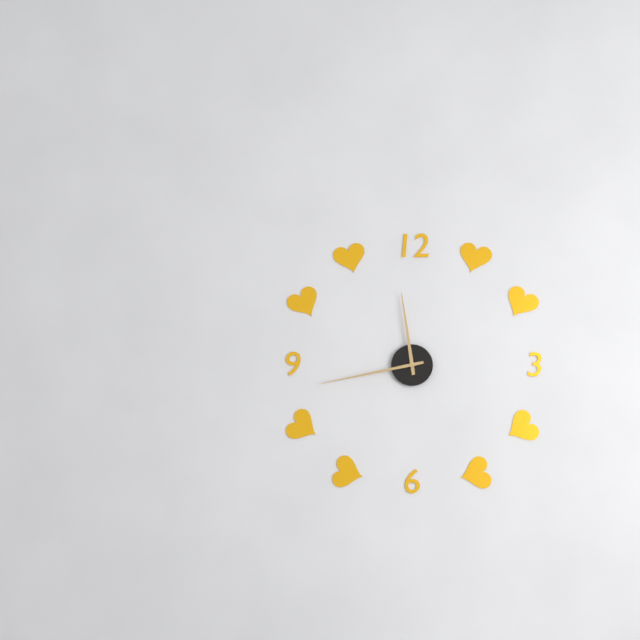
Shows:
11,43
